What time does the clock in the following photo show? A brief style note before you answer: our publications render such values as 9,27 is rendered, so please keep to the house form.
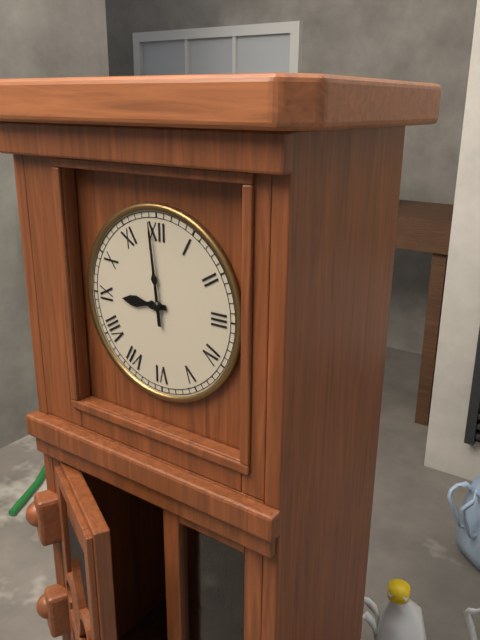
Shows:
8,59
